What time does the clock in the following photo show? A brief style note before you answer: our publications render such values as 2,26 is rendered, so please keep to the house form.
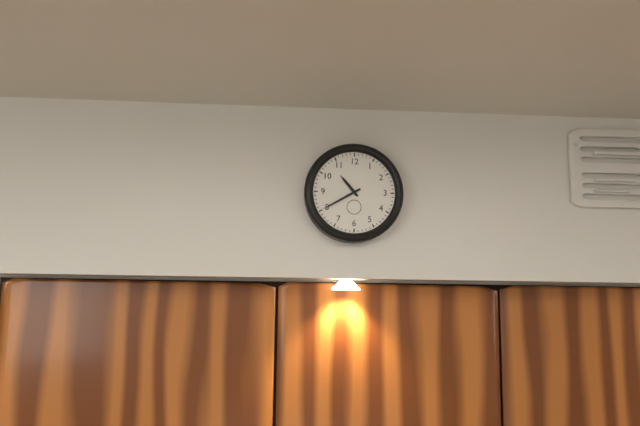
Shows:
10,40
